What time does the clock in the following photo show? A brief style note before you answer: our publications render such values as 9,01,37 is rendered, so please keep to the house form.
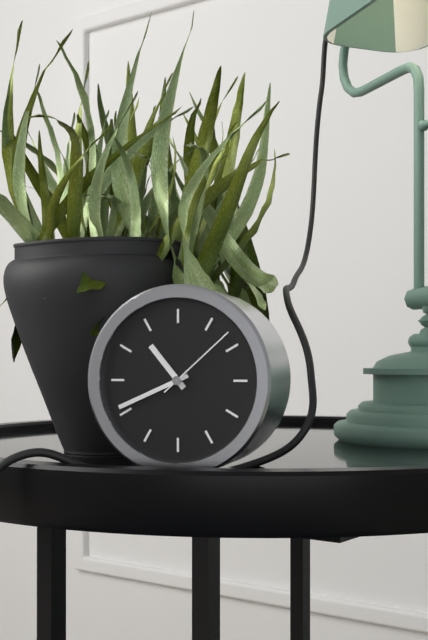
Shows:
10,41,08
